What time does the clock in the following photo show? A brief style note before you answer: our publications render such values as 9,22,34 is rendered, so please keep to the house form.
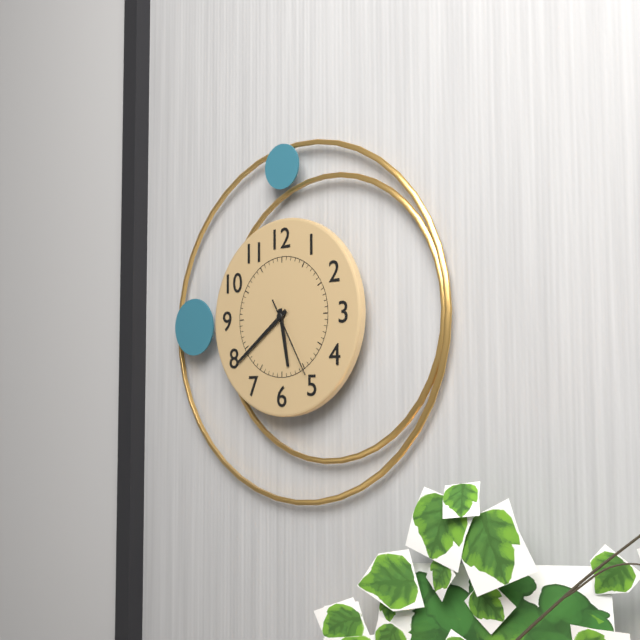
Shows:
5,39,25
